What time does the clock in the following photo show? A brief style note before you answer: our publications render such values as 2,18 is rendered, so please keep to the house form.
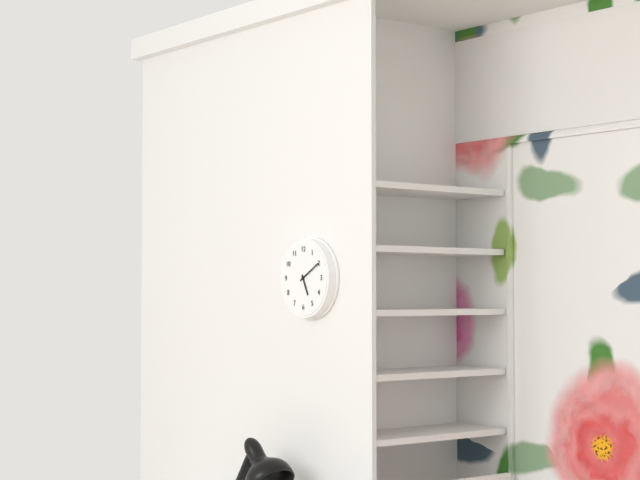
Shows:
5,10
